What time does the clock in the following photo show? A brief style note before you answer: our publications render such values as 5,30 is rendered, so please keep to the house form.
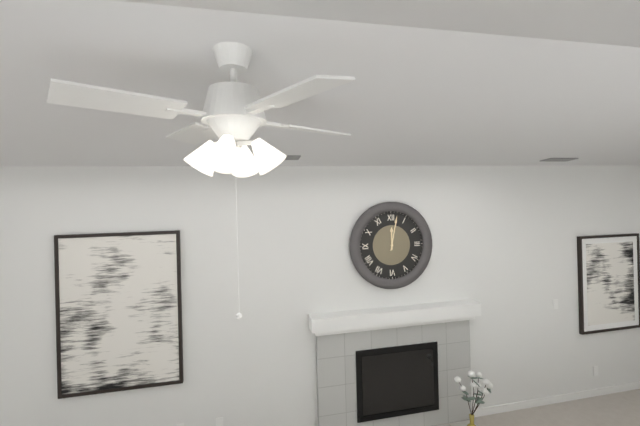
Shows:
12,02
